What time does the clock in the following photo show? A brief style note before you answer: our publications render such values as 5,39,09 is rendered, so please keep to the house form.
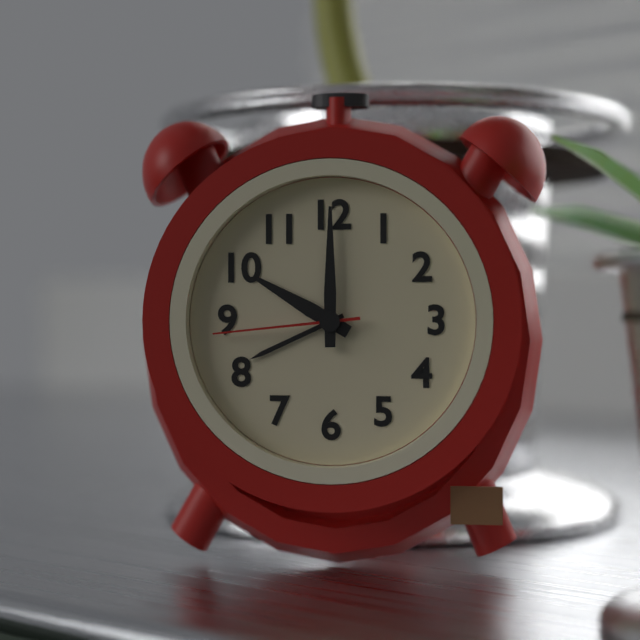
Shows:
10,00,44
